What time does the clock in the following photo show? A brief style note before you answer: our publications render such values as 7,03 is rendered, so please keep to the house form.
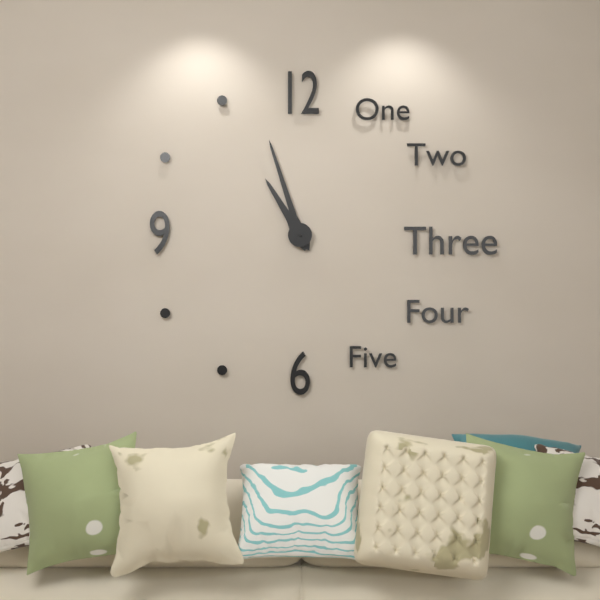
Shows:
10,57
